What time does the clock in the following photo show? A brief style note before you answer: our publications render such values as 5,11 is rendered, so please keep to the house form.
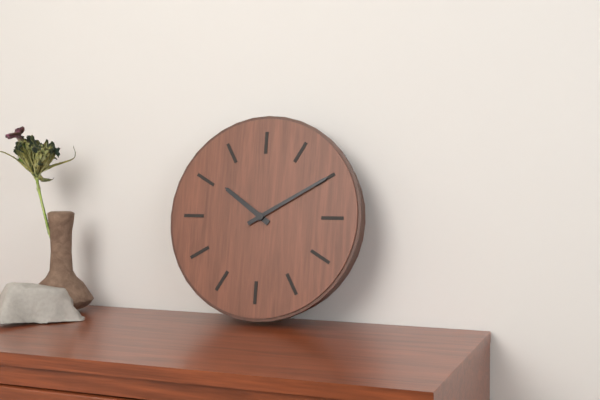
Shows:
10,10
